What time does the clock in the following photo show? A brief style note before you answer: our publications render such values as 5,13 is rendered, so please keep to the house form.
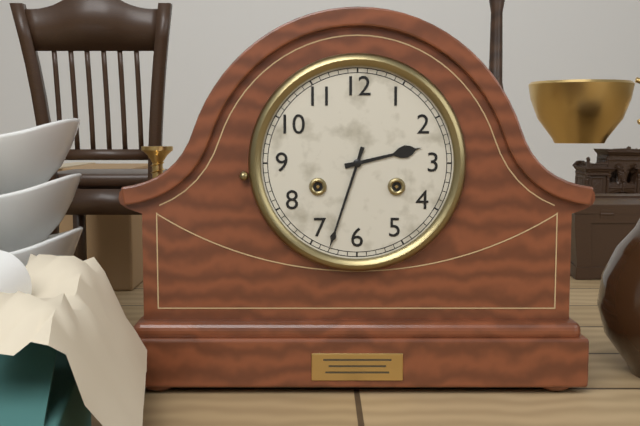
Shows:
2,33
